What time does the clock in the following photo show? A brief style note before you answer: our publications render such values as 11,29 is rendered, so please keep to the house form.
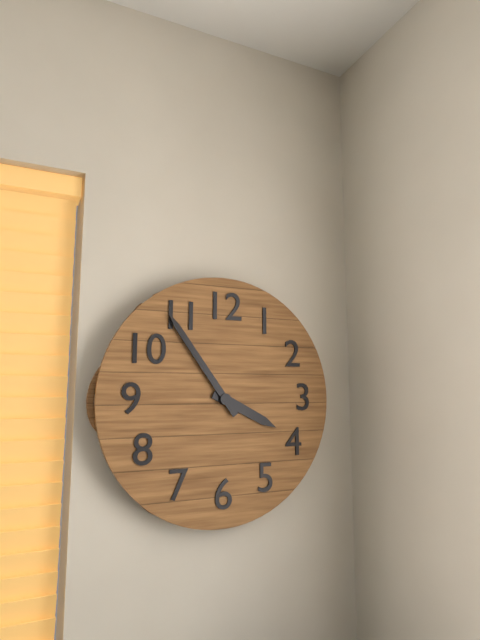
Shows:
3,54
